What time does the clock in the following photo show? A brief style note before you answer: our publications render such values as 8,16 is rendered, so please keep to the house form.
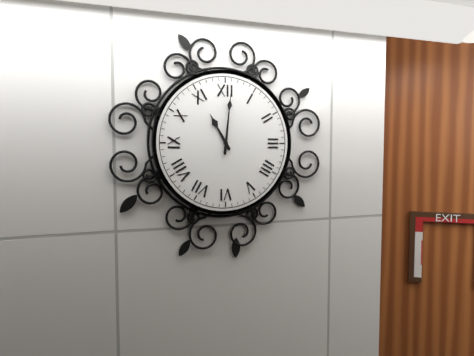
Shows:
11,01
